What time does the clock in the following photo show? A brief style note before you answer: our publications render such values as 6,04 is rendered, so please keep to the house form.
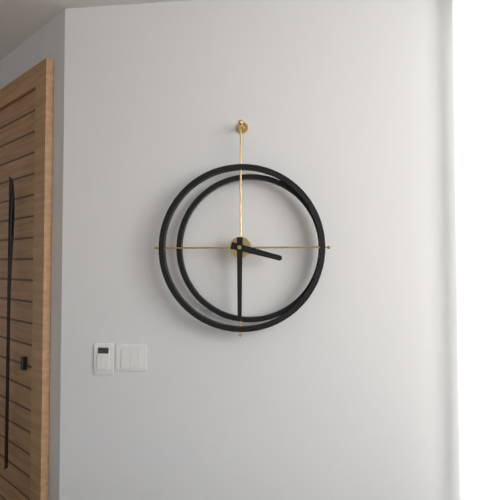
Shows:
3,30
